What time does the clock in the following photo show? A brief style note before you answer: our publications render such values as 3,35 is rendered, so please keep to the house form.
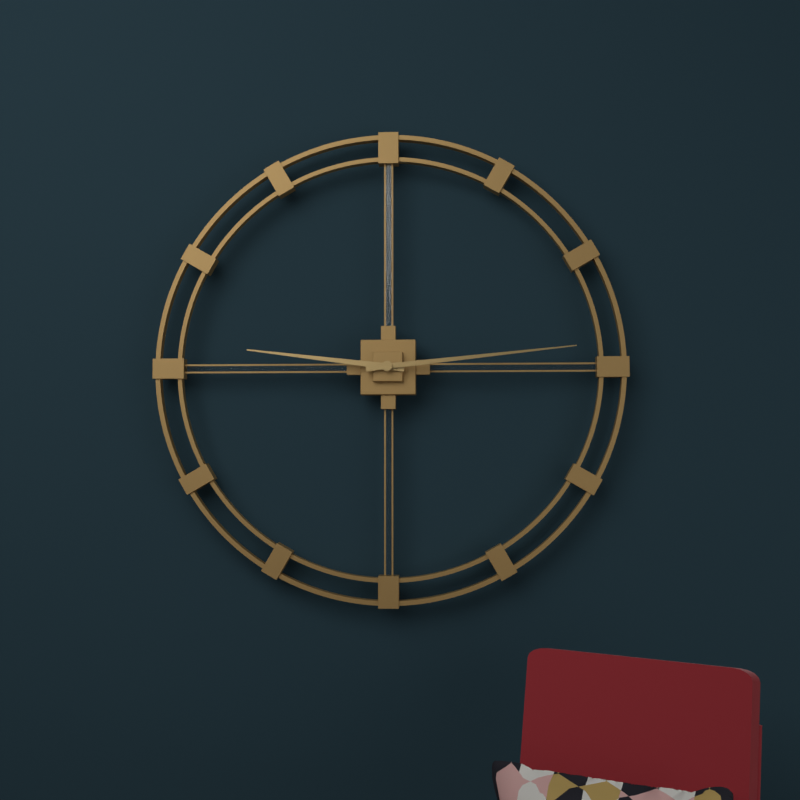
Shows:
9,14
